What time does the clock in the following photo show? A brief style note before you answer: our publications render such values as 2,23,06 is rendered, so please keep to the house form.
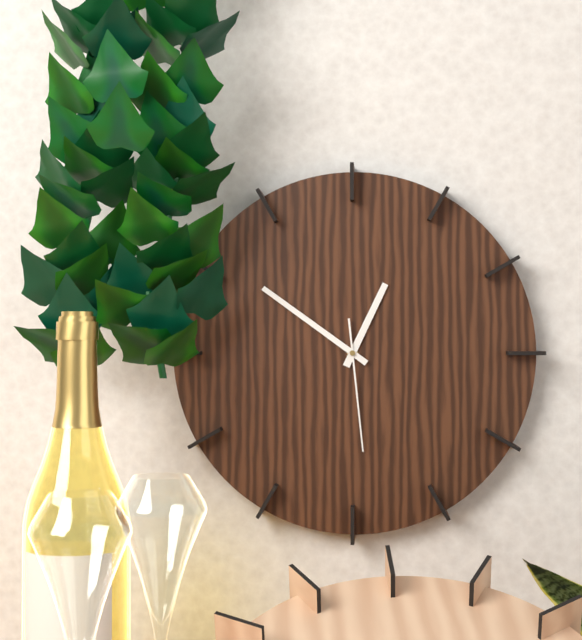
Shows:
12,51,29
